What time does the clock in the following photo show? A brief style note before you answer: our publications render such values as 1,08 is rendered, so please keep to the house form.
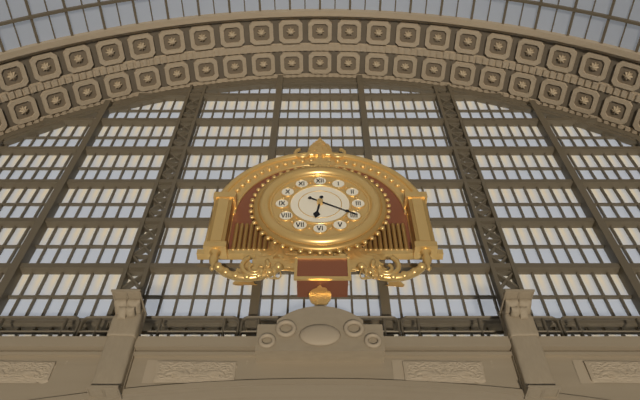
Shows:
6,20
